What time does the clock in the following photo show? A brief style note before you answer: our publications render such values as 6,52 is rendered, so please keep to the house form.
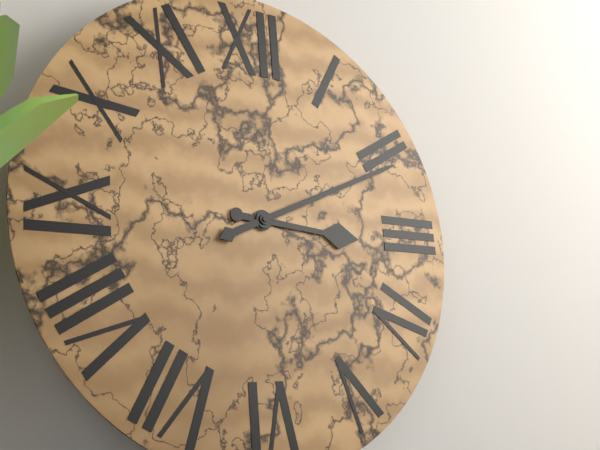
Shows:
3,11
